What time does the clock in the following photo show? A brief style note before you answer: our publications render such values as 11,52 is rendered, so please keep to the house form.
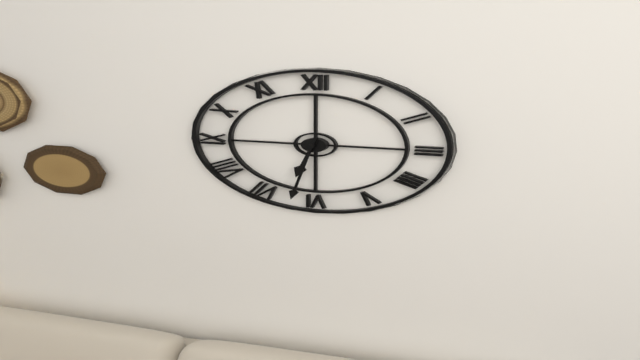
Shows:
6,32
